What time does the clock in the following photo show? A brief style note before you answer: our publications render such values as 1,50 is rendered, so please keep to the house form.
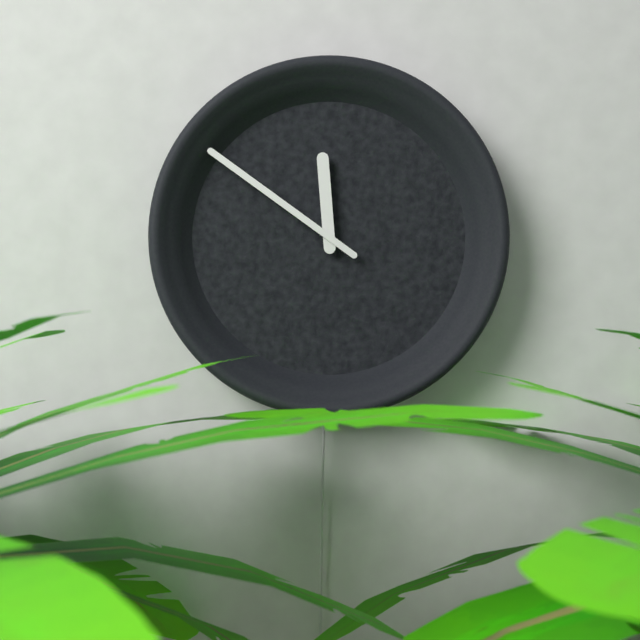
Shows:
11,51
